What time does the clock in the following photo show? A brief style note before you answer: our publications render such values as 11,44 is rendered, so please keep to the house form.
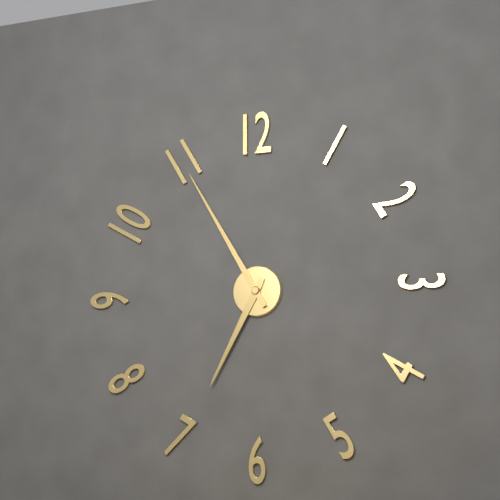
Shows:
6,55
